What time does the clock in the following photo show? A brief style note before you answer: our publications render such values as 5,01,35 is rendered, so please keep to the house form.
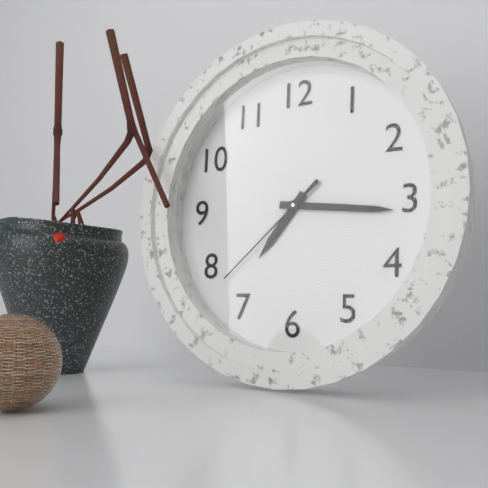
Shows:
7,16,38
